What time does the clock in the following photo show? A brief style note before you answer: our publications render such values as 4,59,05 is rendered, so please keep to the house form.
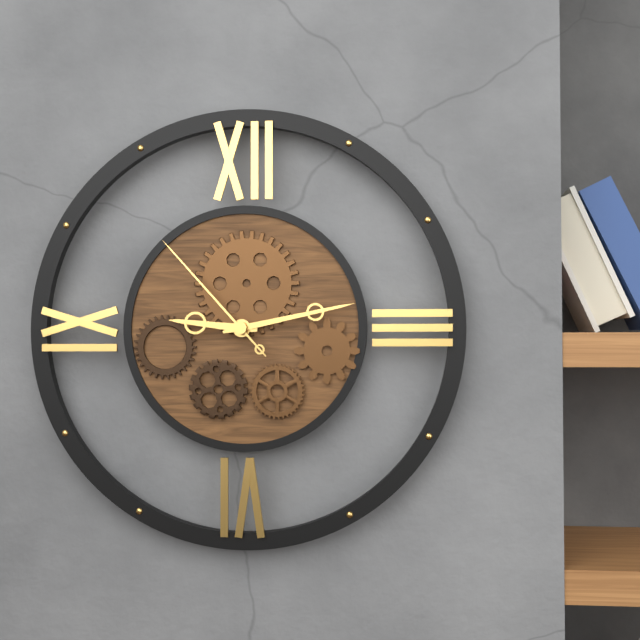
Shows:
9,13,53
